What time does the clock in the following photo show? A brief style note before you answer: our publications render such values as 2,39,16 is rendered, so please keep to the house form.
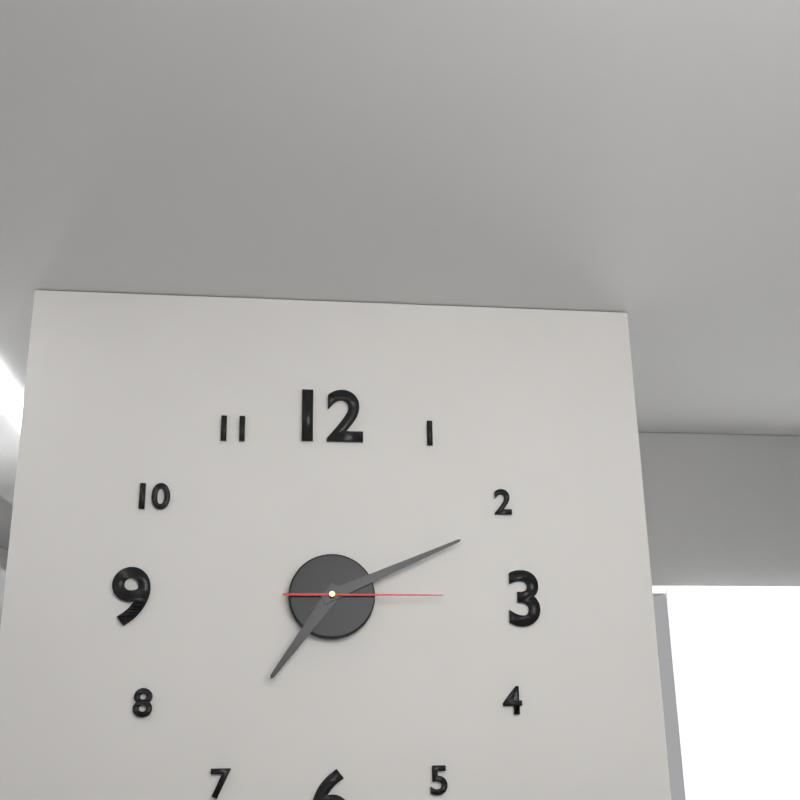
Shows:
7,11,15
